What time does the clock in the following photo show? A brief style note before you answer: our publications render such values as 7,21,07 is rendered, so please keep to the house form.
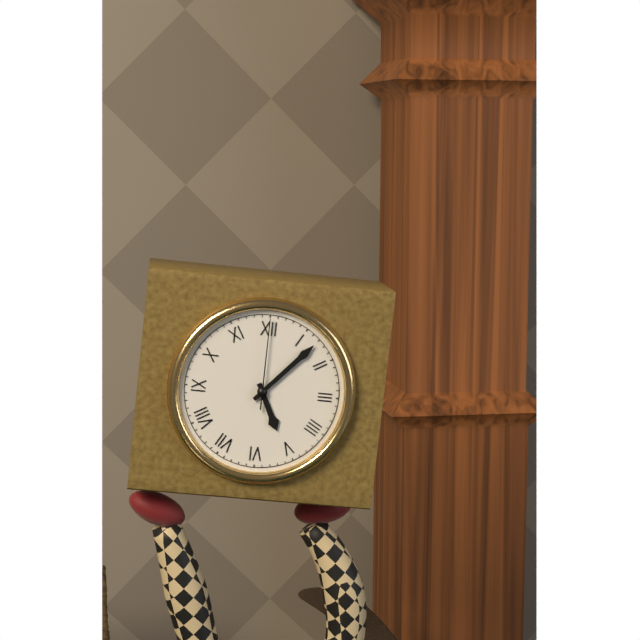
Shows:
5,07,00
